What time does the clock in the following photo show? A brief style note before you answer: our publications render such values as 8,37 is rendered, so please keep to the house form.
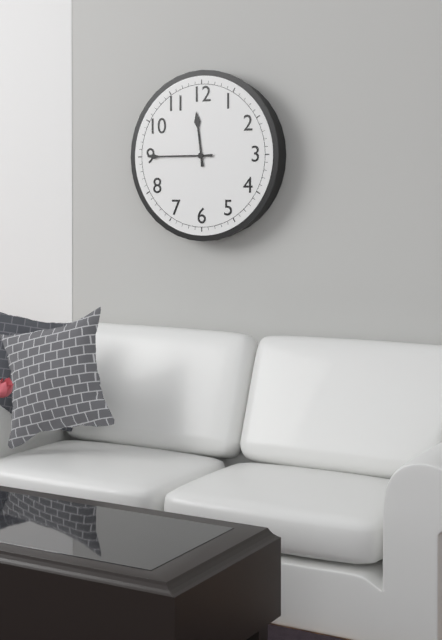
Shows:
11,45
